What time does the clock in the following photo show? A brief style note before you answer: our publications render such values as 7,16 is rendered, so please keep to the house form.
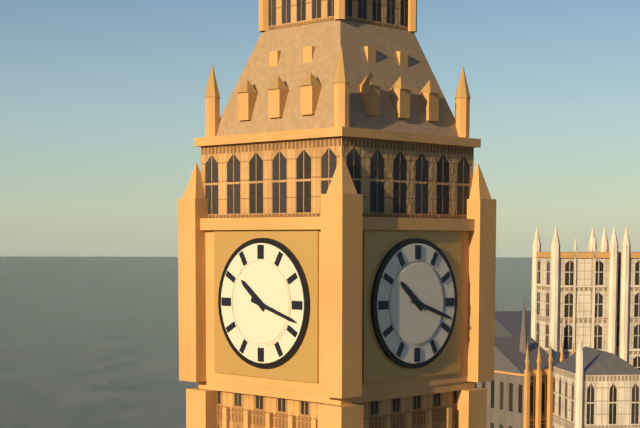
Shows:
10,18
